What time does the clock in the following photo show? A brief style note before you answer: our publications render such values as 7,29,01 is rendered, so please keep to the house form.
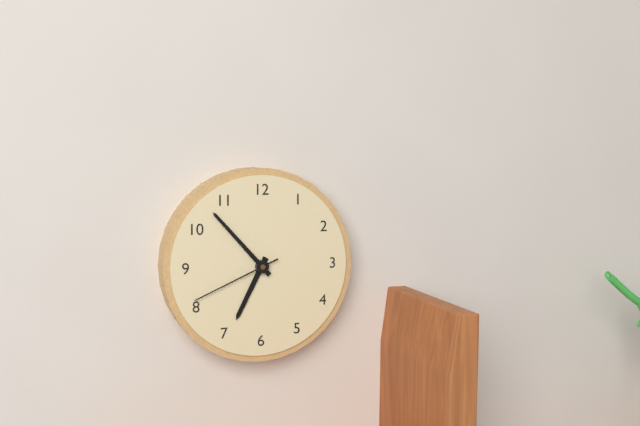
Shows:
6,53,41
